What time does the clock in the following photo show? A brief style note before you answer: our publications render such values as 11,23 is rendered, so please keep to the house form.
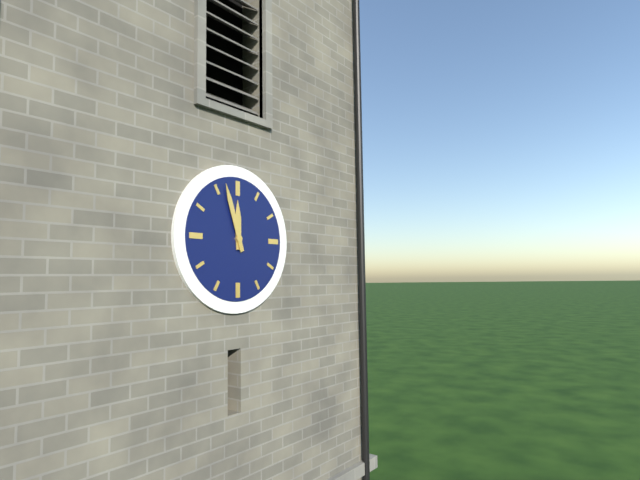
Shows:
11,57
